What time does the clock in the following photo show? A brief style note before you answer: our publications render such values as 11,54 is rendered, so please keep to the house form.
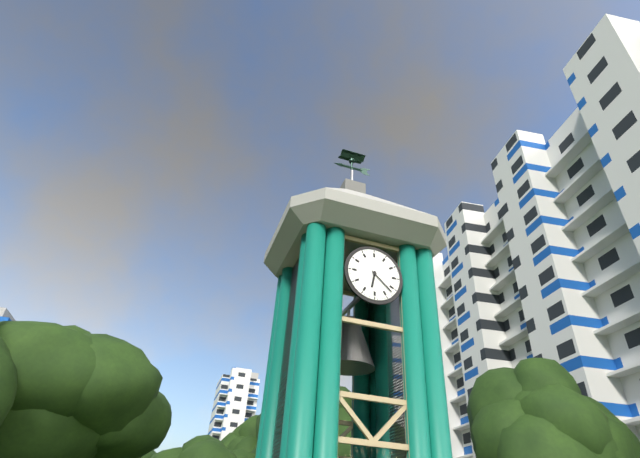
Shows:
6,22
